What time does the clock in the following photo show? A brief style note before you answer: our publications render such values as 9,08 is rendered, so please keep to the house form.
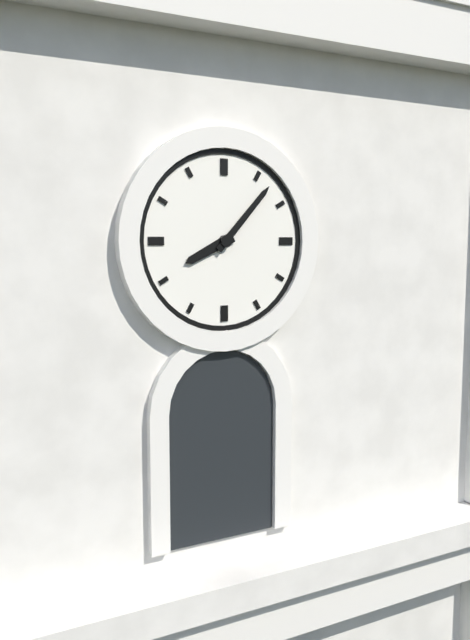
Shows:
8,07
